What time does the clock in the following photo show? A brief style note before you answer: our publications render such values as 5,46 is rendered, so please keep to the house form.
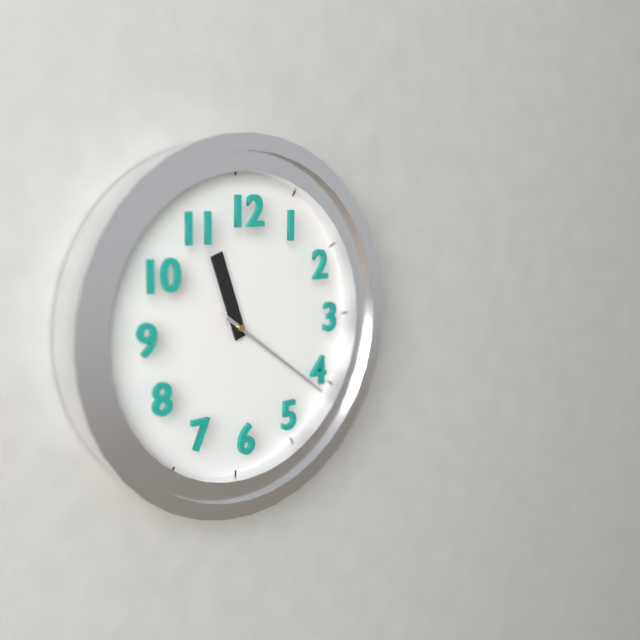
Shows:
11,21
